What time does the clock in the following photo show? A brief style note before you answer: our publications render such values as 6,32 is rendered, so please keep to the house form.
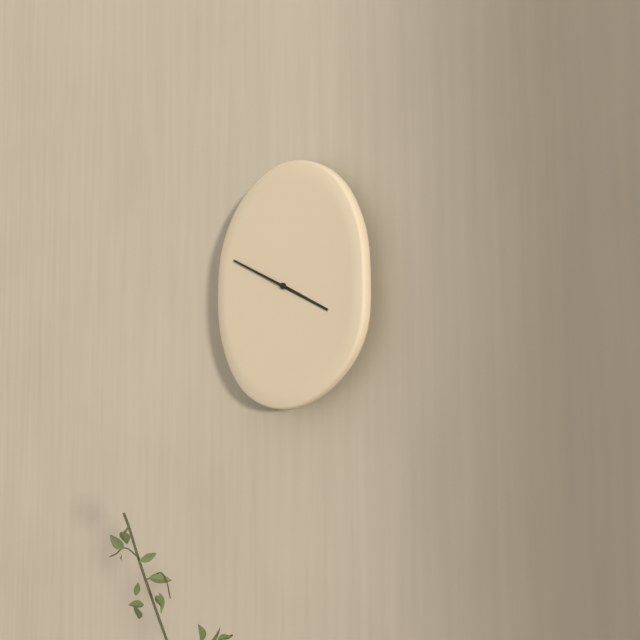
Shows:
3,49
